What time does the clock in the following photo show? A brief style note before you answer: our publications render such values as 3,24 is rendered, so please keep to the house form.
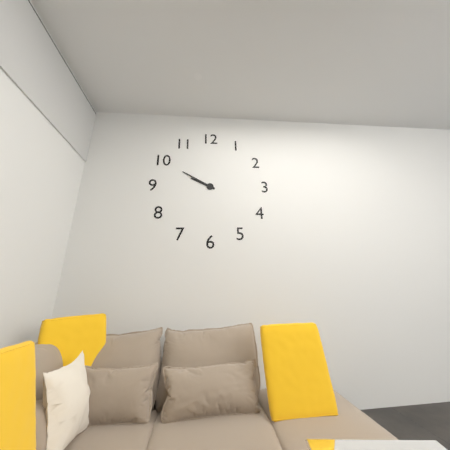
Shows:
9,50
